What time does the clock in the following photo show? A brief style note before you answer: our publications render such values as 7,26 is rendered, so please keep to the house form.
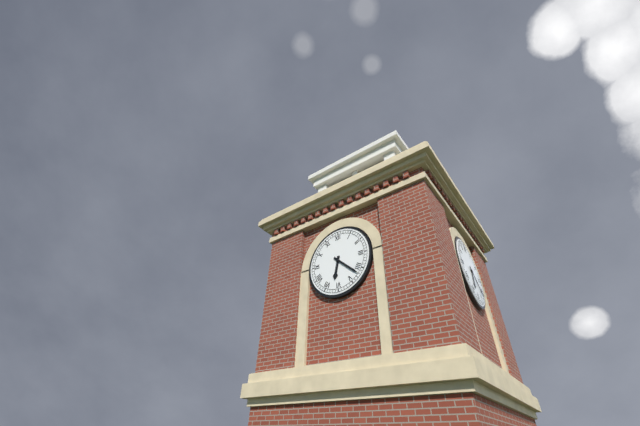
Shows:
6,22
